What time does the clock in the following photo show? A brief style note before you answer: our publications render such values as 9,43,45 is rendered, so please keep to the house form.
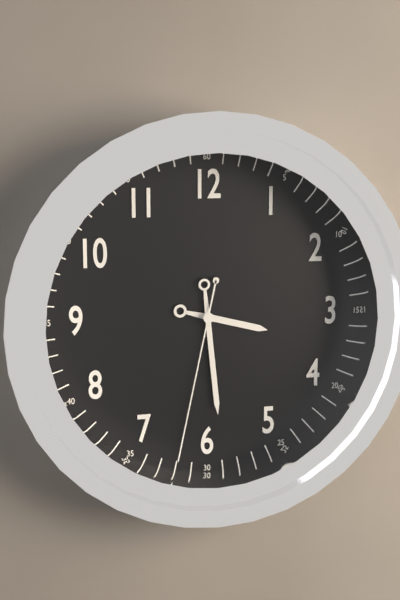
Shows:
3,29,32
